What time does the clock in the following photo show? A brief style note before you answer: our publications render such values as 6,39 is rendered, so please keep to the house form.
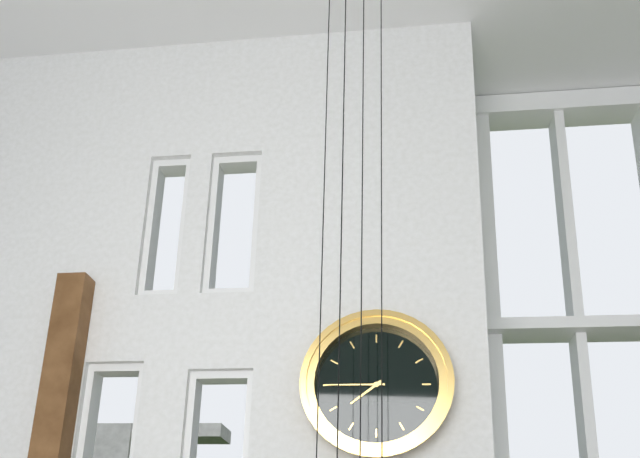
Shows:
7,45
